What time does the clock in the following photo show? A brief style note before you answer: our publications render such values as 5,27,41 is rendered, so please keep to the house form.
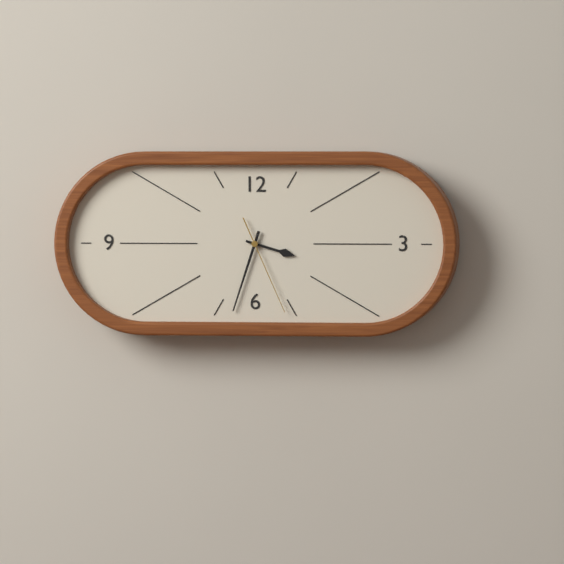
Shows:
3,33,26
